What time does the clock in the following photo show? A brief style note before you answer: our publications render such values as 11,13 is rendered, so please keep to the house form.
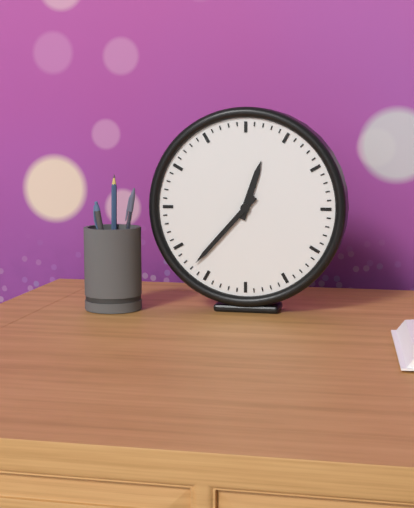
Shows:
12,37
